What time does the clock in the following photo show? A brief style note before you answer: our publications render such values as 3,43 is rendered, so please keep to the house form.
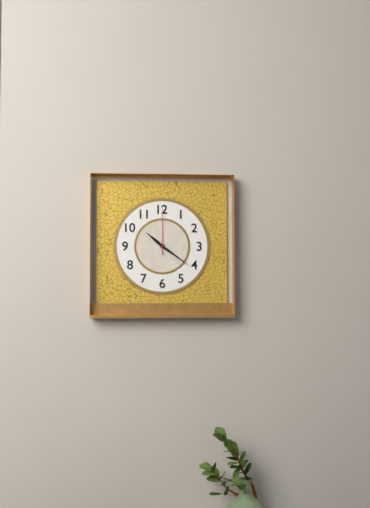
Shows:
10,21
